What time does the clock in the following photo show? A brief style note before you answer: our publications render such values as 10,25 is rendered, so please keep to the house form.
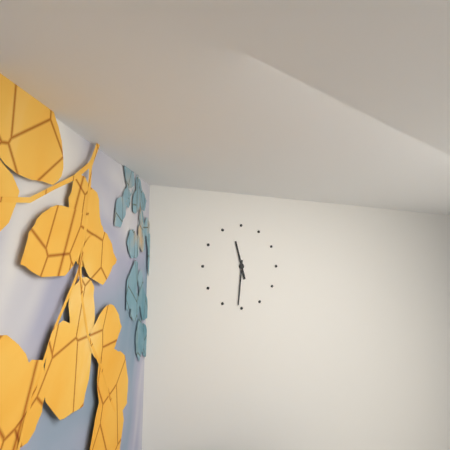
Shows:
11,31
